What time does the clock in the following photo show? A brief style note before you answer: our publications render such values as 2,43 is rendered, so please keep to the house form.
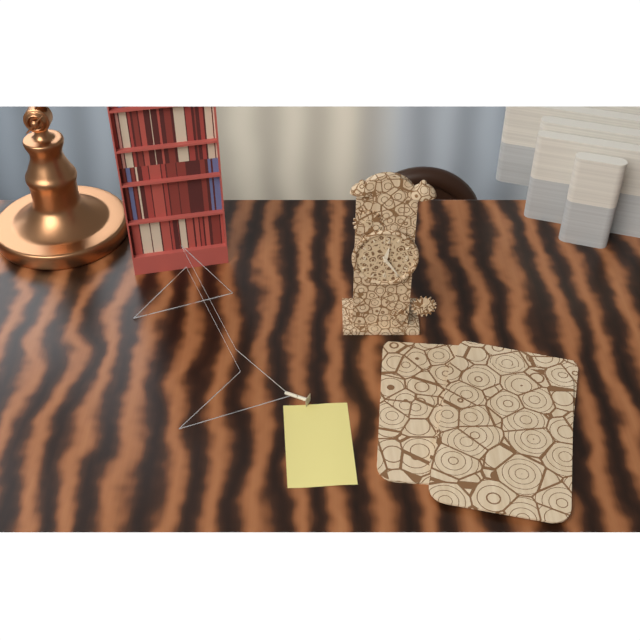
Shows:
12,24
